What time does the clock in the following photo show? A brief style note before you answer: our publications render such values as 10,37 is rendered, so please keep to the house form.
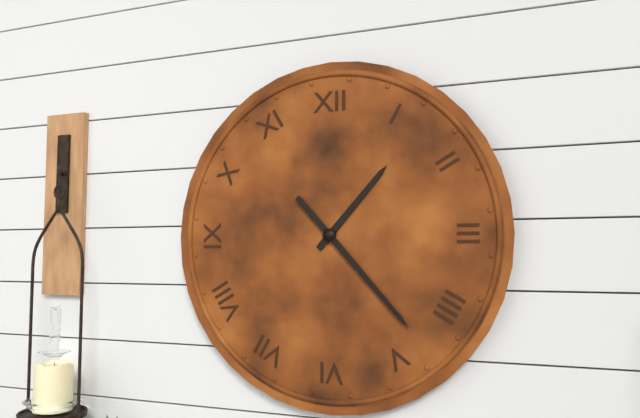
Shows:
1,23
